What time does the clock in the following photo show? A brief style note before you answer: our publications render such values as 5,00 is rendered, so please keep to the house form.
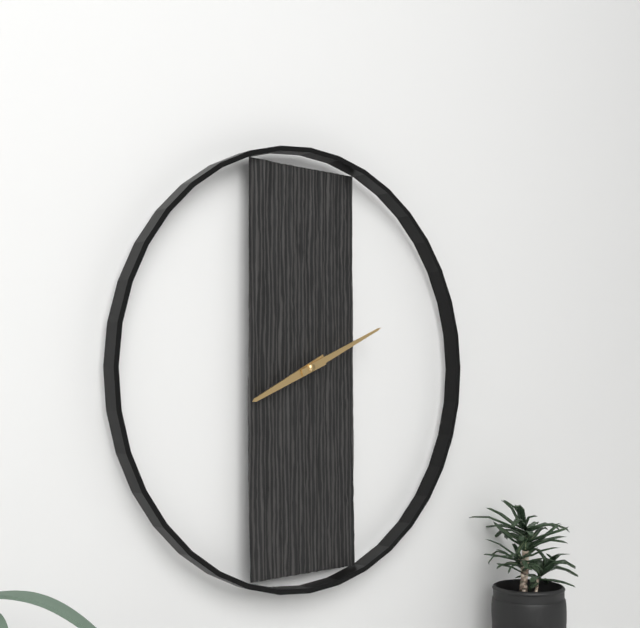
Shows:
8,11
